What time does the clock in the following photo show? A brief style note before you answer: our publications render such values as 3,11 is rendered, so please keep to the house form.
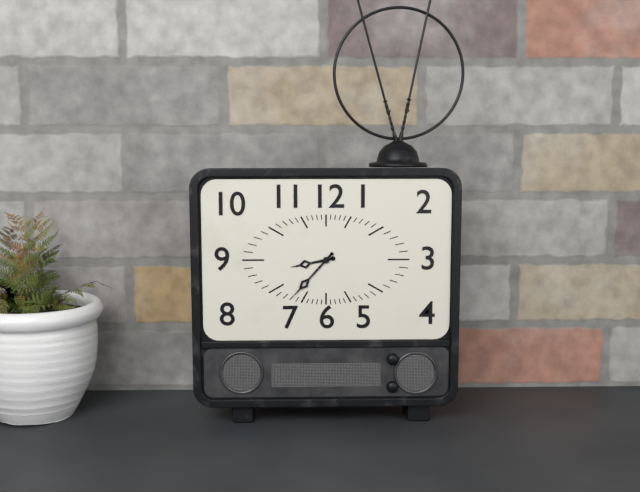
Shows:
8,37
